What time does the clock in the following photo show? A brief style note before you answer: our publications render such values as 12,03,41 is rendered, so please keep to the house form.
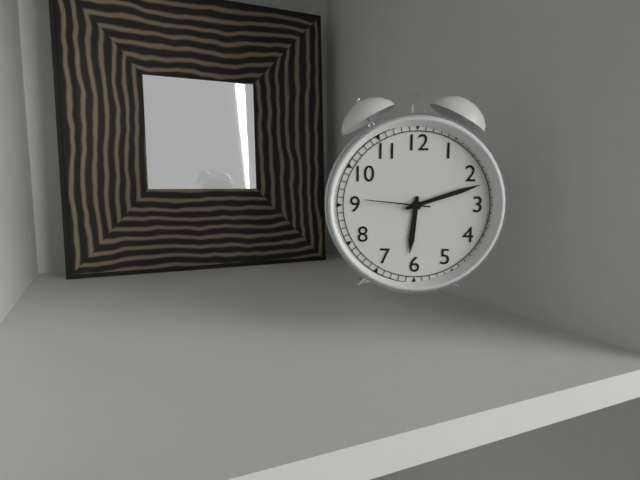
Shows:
6,12,46
